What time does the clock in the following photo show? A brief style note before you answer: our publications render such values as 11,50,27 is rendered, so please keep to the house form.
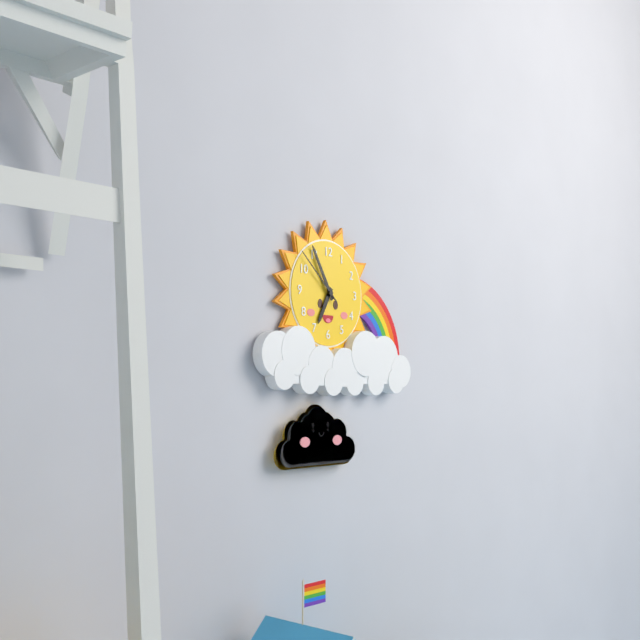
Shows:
6,55,52
